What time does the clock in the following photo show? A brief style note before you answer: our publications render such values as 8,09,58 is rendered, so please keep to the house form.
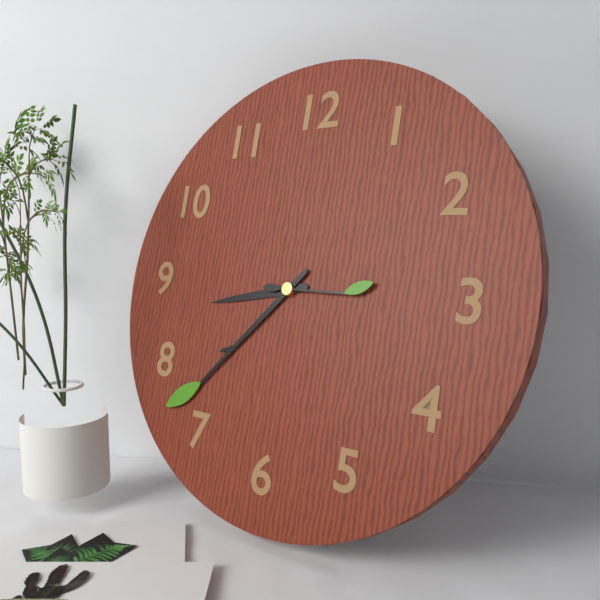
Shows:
8,37,15
